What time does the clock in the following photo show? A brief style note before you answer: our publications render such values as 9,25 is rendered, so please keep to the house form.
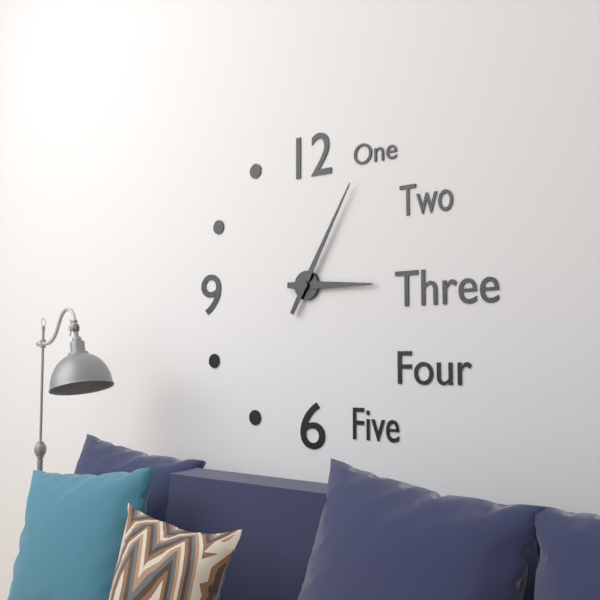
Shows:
3,05
